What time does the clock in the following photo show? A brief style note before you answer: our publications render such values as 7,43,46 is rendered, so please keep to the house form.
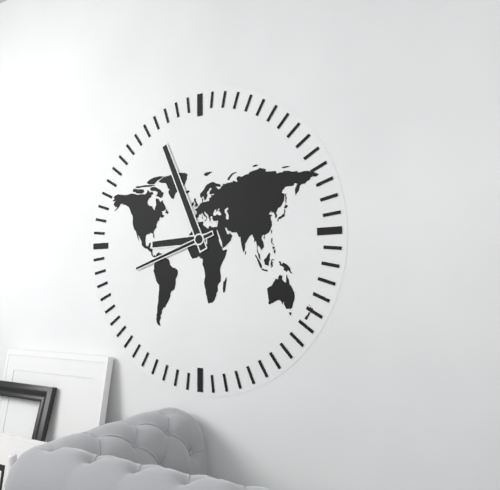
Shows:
8,56,42
